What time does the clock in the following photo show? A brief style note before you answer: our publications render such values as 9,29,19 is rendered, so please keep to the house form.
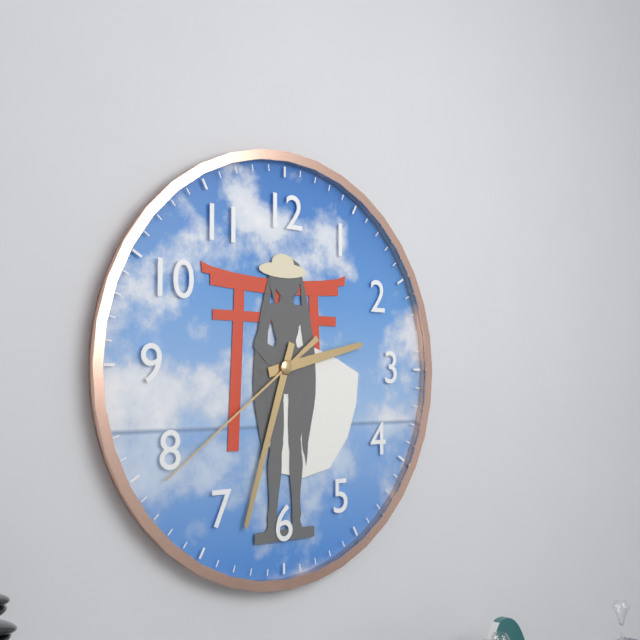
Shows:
2,33,39
